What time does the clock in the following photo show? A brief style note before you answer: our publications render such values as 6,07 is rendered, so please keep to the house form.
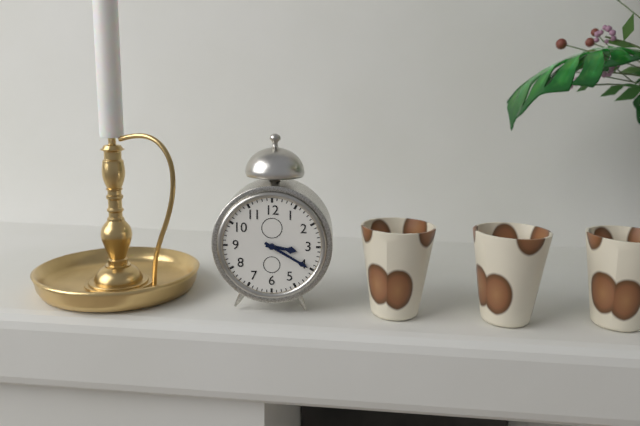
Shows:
3,20
